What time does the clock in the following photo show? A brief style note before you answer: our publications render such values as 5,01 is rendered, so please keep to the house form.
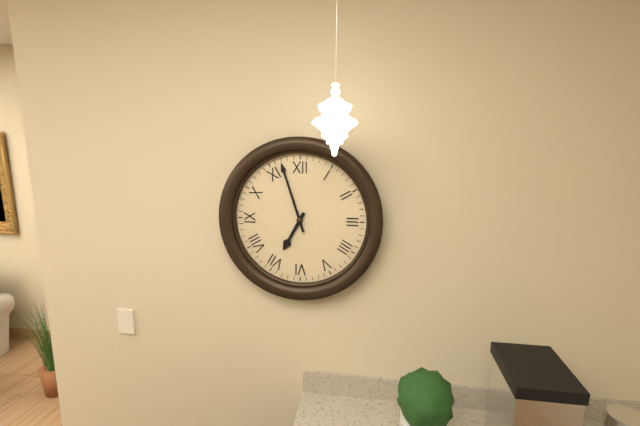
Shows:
6,57
